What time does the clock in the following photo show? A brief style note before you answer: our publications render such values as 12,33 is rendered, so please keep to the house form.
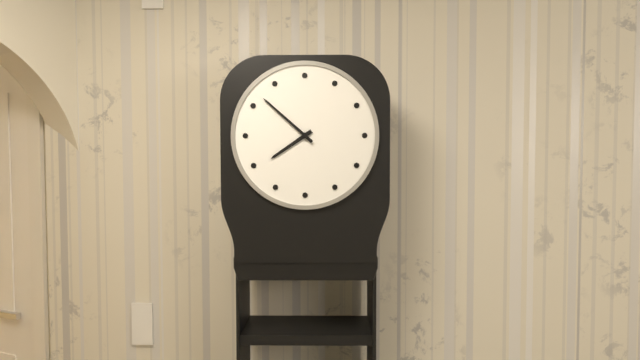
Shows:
7,52
